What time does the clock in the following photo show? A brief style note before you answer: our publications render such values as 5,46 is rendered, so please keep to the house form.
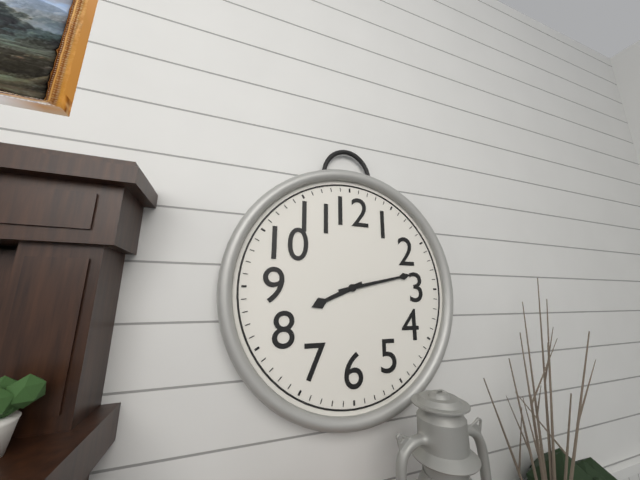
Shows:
8,13
